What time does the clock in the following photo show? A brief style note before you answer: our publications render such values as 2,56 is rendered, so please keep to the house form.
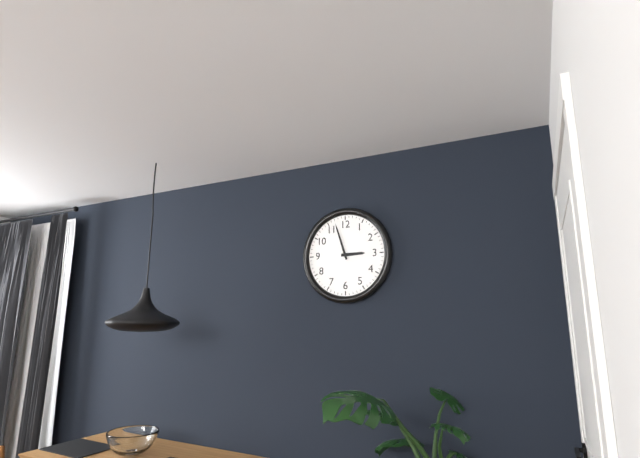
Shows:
2,57
